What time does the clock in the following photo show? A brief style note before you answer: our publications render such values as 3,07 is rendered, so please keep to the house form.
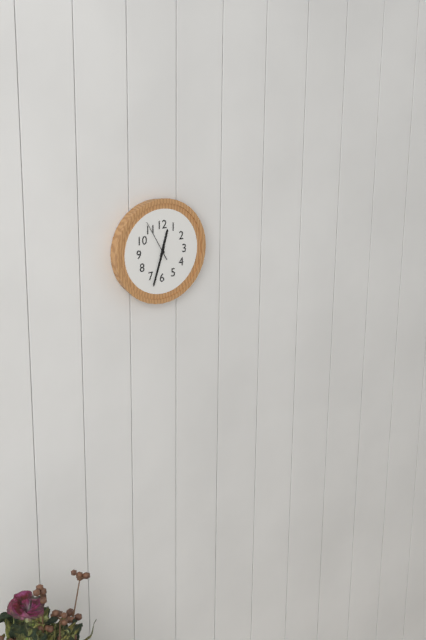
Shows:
12,33
